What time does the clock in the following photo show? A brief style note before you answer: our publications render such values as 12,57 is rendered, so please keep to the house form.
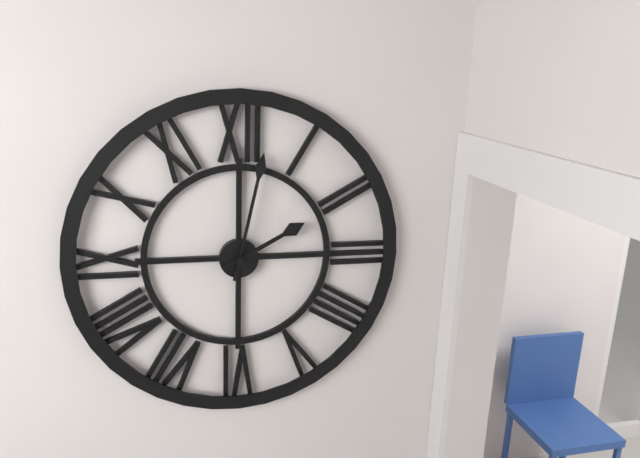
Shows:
2,02
